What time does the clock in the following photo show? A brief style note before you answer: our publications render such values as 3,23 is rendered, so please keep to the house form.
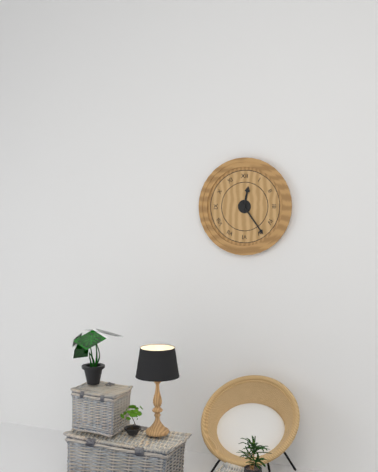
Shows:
12,24
